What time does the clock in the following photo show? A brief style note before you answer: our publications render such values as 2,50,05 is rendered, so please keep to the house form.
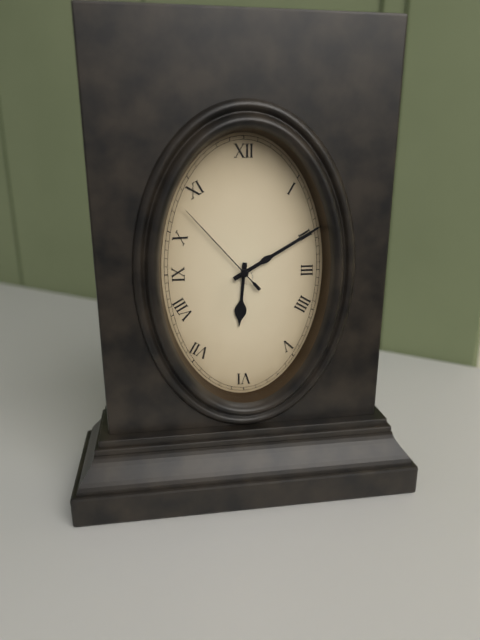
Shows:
6,10,53
